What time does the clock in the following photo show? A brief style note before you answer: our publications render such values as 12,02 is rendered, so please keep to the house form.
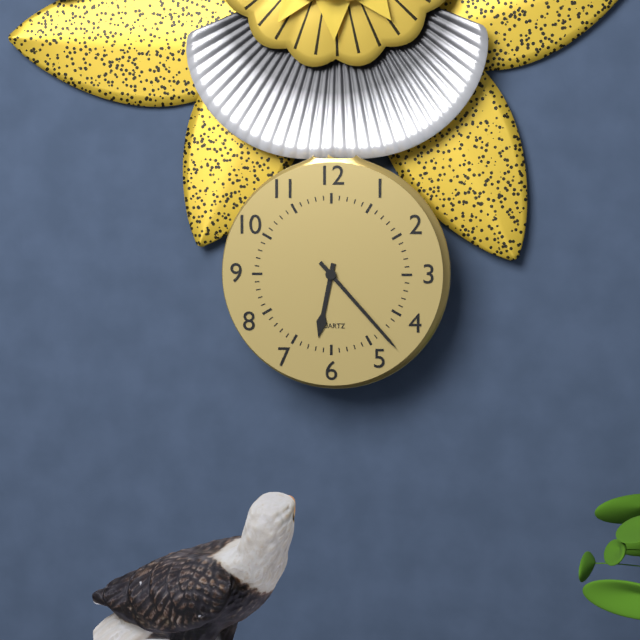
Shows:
6,23
